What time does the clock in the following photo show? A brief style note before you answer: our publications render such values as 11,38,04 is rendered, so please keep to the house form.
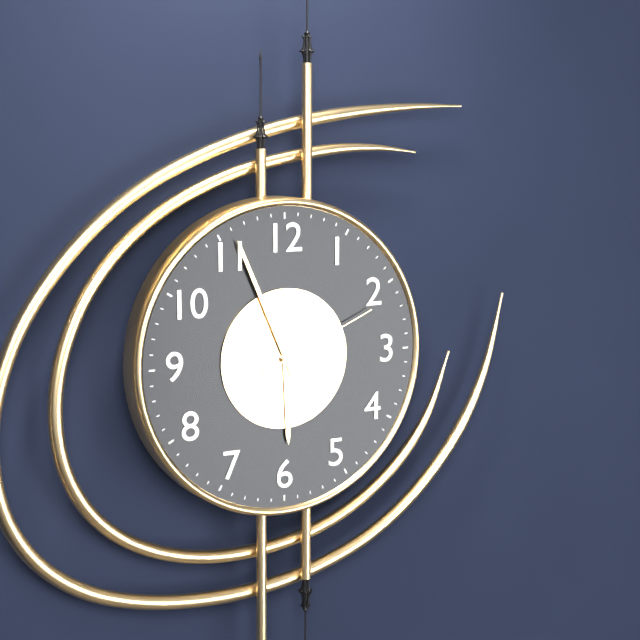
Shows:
5,56,11
